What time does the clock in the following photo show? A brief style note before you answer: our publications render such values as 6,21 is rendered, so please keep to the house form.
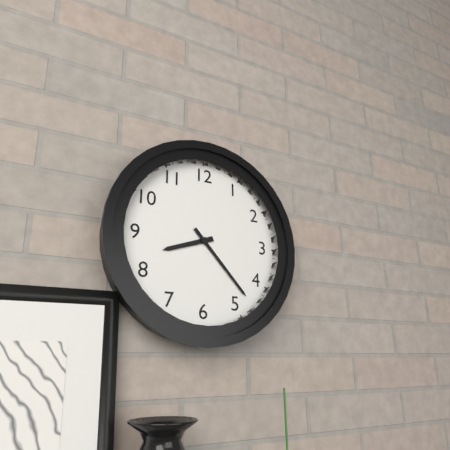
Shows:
8,23
